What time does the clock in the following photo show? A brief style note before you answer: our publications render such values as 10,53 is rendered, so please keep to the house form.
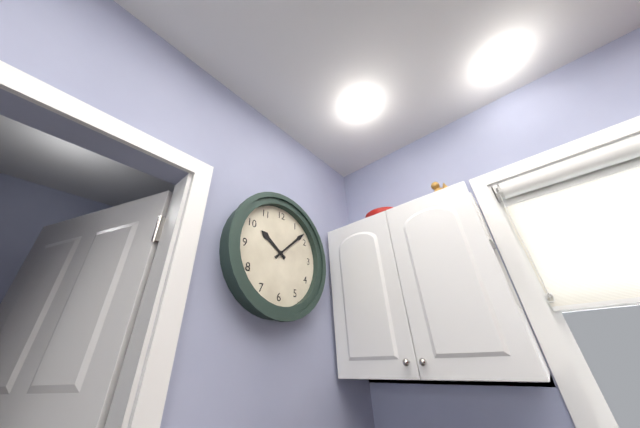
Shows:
10,08
